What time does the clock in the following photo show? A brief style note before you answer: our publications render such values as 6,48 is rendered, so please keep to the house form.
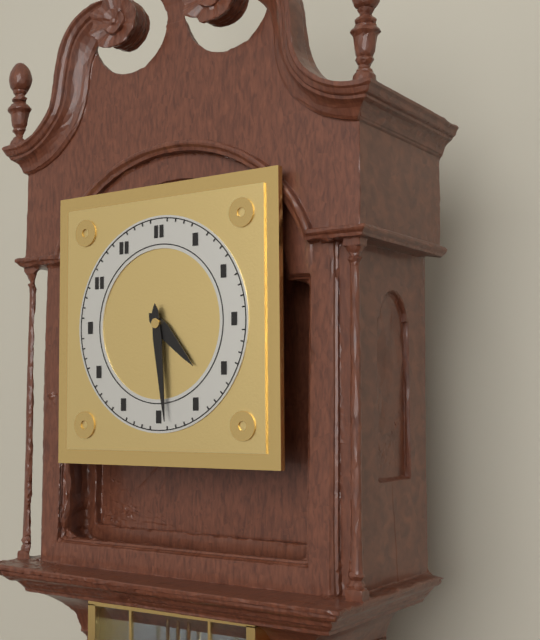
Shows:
4,29
